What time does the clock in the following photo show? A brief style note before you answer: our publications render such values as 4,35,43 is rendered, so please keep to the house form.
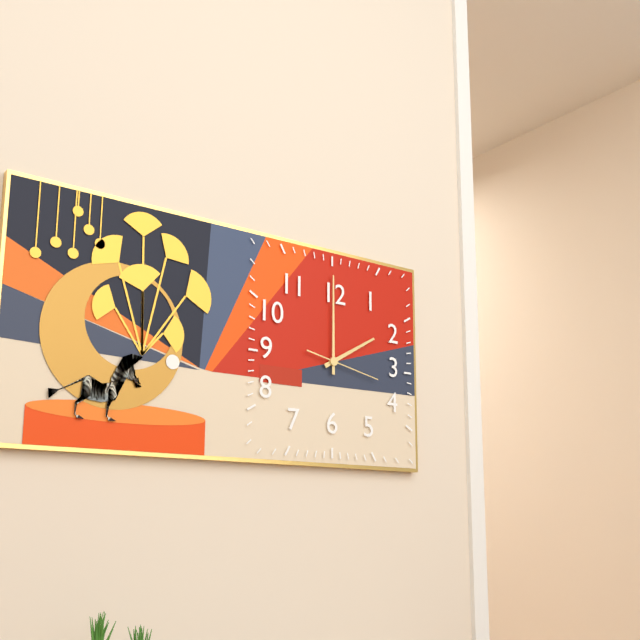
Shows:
2,00,17
